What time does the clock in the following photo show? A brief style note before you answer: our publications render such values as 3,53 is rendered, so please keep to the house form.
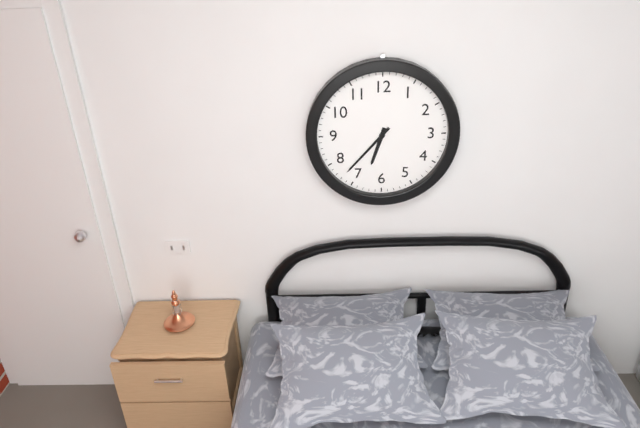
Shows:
6,37
